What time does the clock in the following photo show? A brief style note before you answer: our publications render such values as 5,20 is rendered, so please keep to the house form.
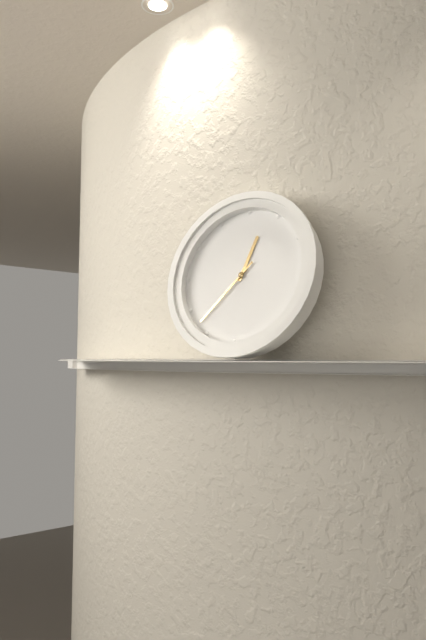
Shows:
12,37
